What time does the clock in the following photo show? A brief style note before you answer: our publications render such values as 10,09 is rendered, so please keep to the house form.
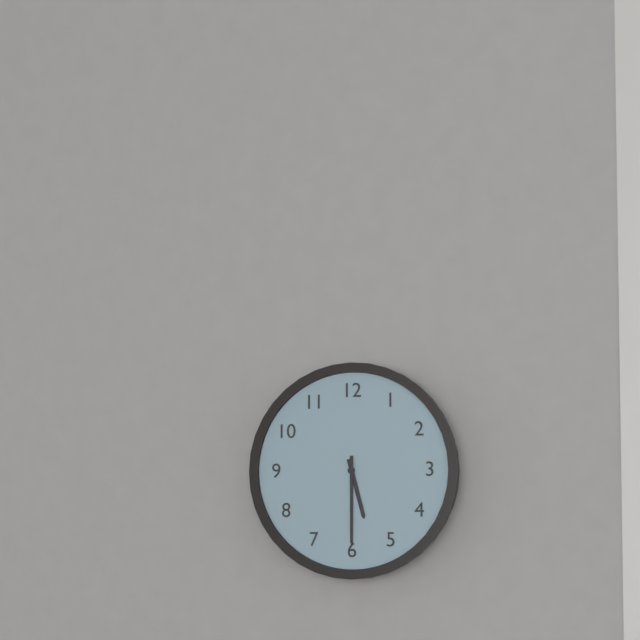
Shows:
5,30
